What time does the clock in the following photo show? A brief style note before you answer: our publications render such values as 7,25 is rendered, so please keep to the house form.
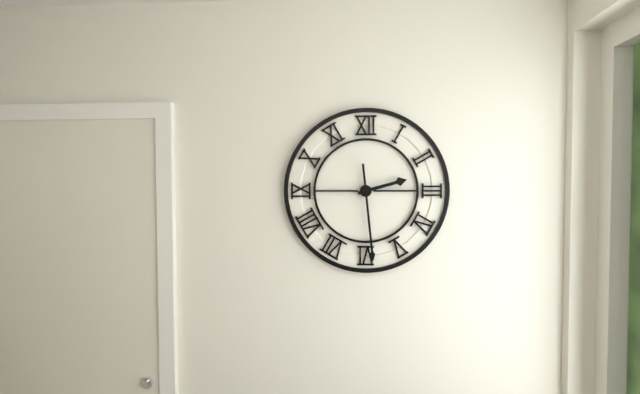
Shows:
2,29
